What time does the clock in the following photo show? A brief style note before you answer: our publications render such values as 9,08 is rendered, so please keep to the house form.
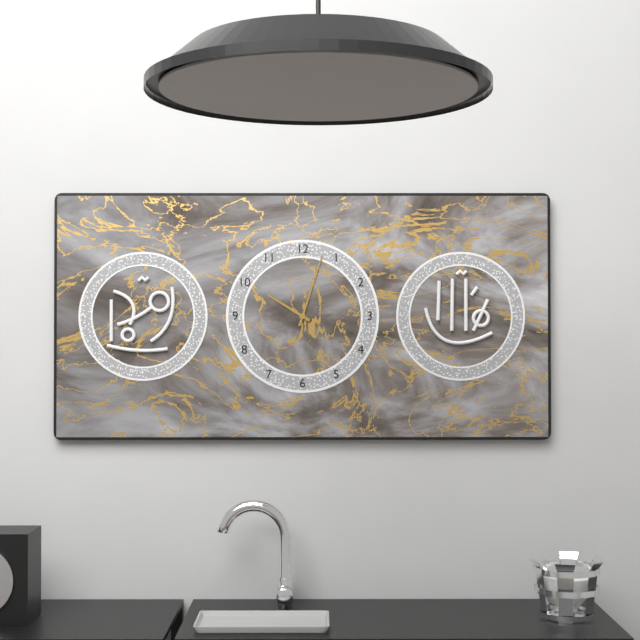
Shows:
10,03
